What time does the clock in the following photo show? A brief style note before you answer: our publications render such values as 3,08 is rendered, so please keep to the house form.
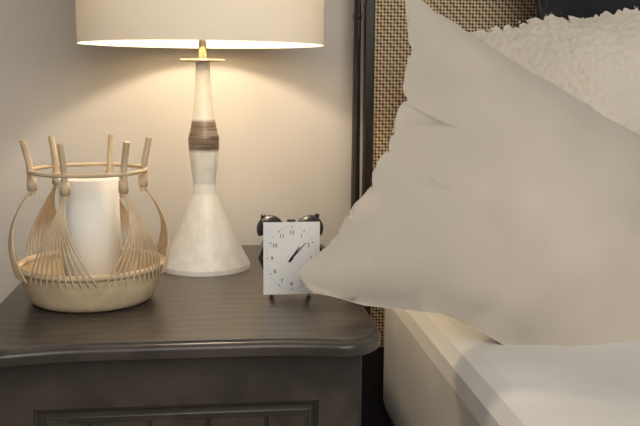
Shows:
1,07
